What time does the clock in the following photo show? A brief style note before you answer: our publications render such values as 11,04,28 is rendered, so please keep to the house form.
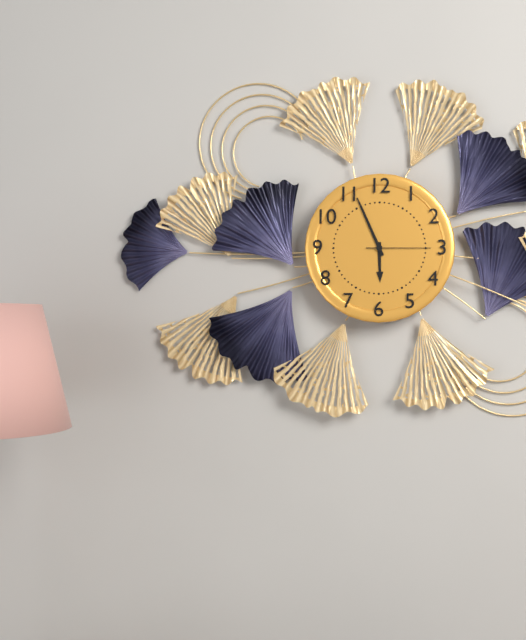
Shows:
5,56,15
